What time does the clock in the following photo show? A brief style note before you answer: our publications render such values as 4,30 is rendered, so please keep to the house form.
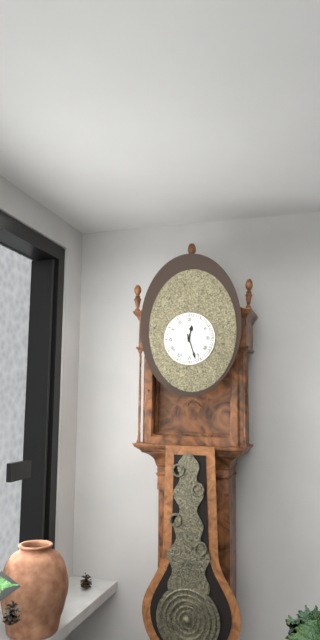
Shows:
12,27
